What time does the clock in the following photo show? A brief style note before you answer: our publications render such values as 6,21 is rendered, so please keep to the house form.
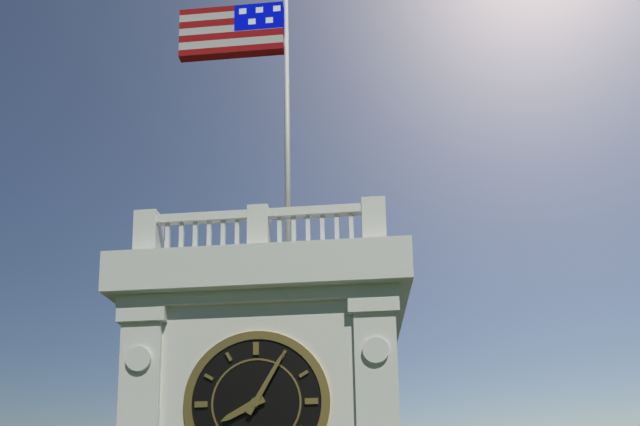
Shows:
8,05
